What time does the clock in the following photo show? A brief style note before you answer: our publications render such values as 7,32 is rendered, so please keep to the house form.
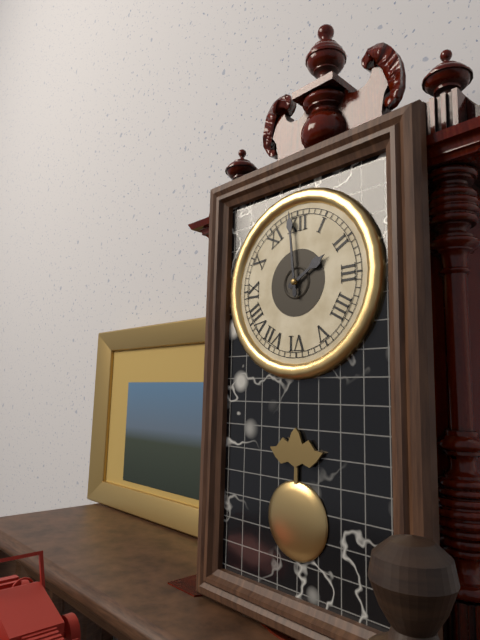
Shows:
1,59
